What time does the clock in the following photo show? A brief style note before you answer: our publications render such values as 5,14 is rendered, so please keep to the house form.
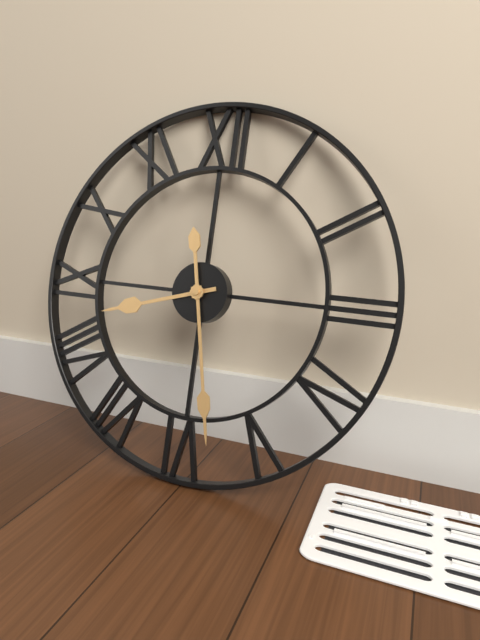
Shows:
8,28
